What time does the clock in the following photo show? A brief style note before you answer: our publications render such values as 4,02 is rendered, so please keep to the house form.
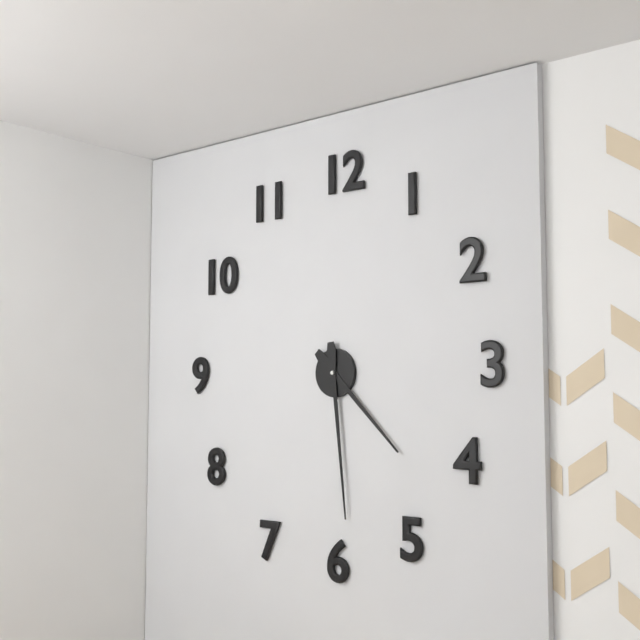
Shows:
4,29
